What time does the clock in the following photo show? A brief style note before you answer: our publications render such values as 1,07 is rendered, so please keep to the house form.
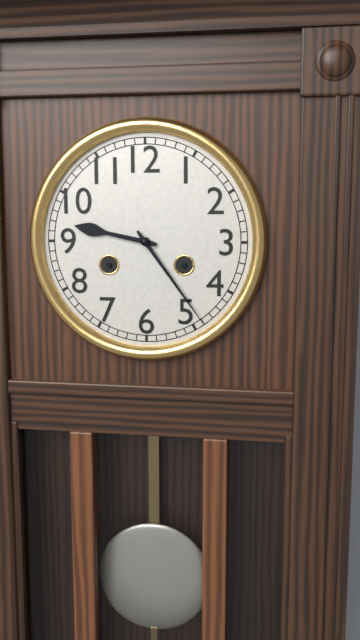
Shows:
9,24
